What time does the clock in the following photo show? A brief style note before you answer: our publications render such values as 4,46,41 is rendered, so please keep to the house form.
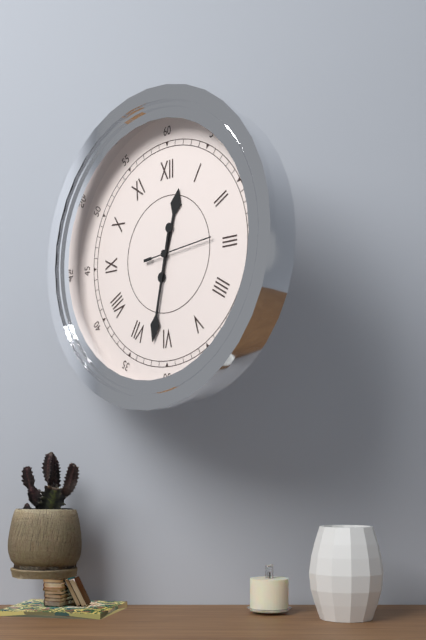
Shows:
12,32,14
